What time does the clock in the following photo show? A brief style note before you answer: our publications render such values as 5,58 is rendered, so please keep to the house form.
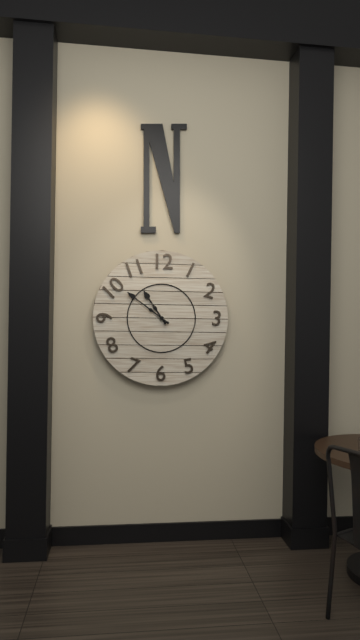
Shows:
10,51
